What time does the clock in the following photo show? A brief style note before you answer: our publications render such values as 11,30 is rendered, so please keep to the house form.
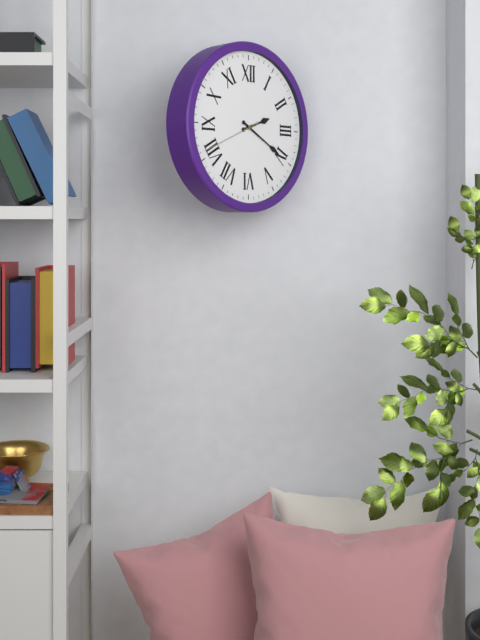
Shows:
2,20
